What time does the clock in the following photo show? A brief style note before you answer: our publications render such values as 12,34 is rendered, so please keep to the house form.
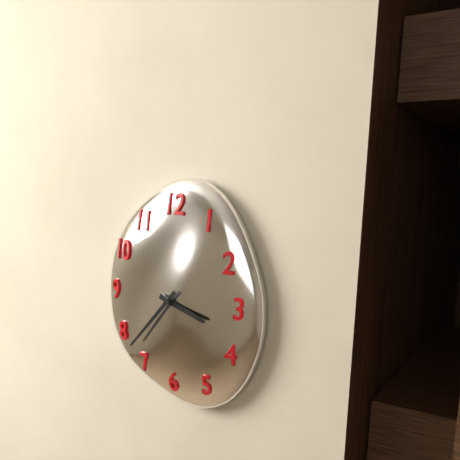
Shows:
3,37
